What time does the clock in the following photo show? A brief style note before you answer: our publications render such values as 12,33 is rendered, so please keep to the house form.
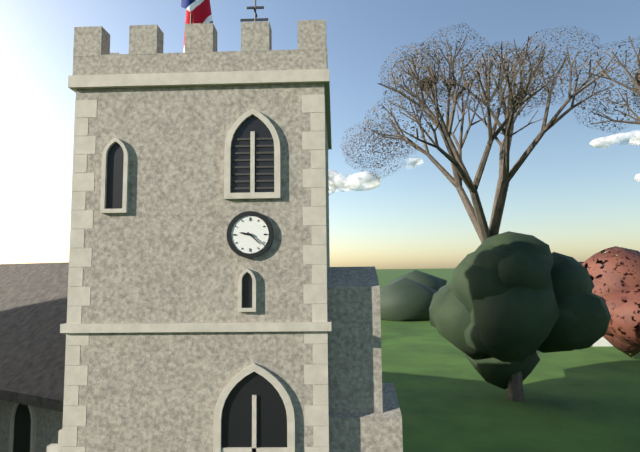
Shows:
9,22
